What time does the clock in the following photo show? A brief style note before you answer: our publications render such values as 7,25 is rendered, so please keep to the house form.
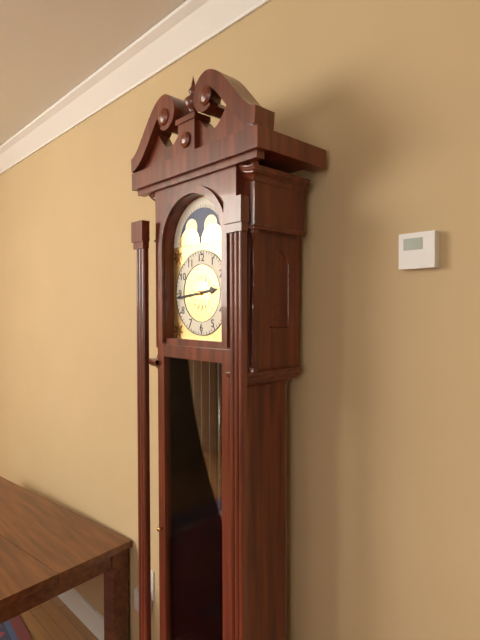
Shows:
2,44
